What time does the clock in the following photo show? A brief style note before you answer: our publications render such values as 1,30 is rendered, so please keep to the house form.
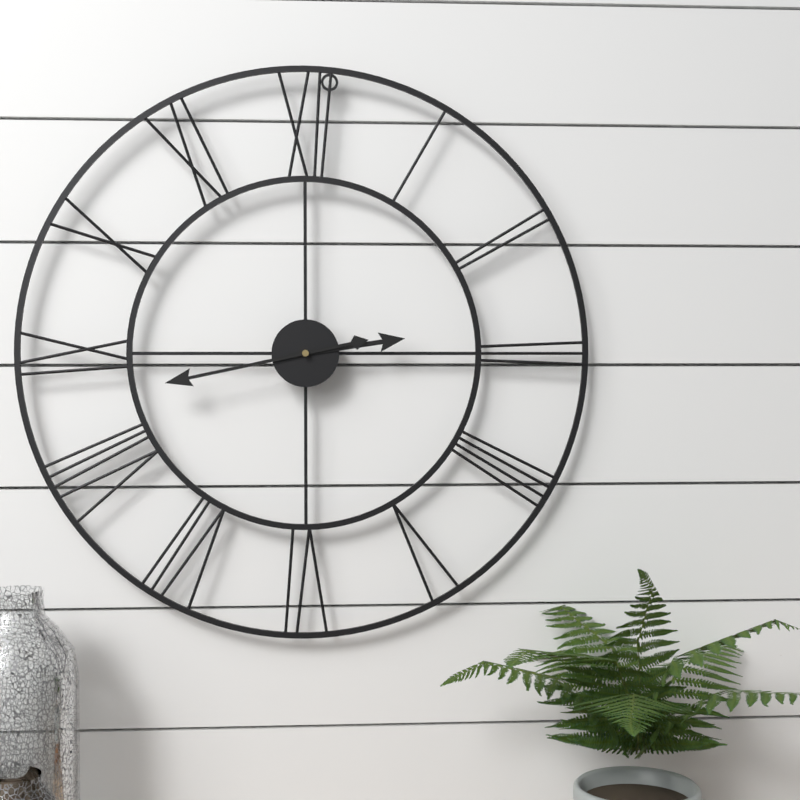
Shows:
2,43
